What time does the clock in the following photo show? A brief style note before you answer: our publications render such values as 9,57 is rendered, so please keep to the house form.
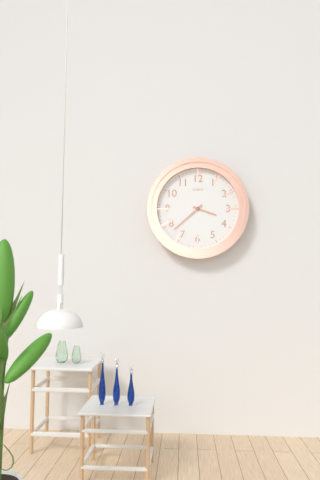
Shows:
3,38
